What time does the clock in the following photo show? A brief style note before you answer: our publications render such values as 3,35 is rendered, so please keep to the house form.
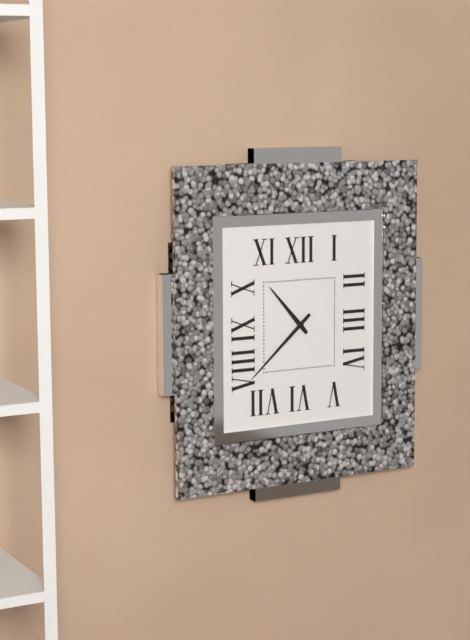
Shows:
10,38
